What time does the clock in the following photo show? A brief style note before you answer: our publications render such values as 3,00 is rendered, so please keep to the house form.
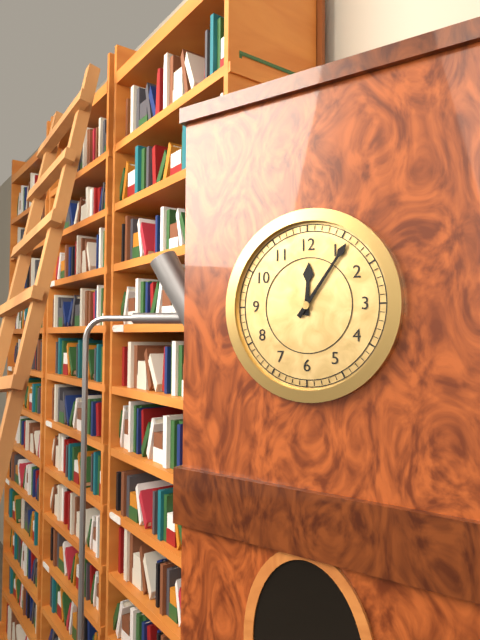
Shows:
12,06
